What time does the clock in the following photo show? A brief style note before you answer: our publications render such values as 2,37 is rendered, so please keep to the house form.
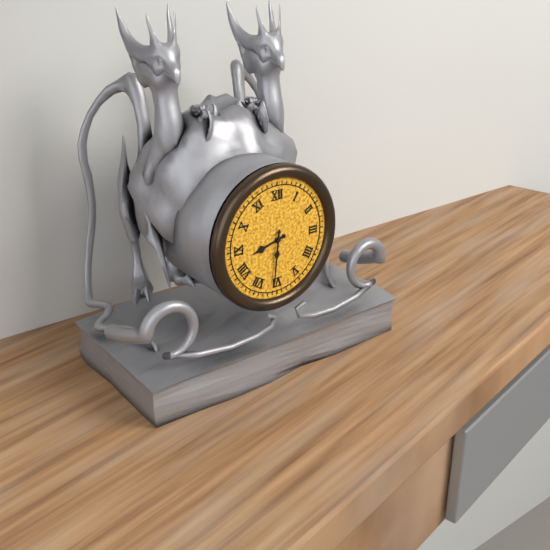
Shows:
8,31
